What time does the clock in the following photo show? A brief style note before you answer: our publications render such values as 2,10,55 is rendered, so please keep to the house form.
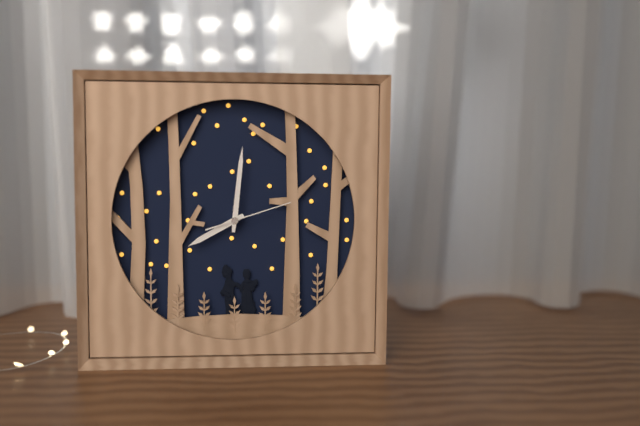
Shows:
8,01,12
